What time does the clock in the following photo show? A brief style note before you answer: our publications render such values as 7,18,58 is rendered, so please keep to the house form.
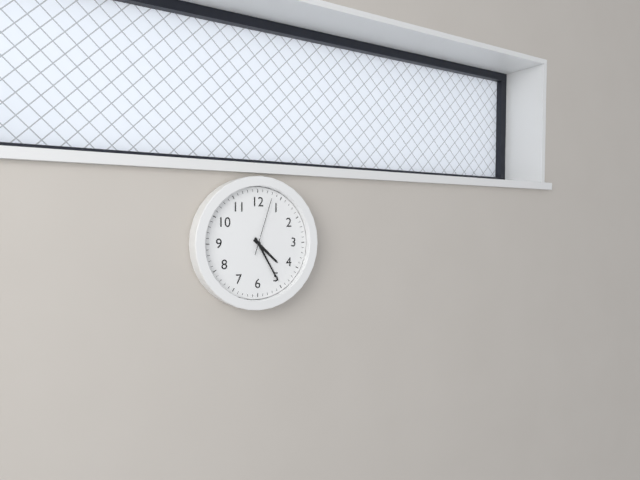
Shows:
4,25,03
